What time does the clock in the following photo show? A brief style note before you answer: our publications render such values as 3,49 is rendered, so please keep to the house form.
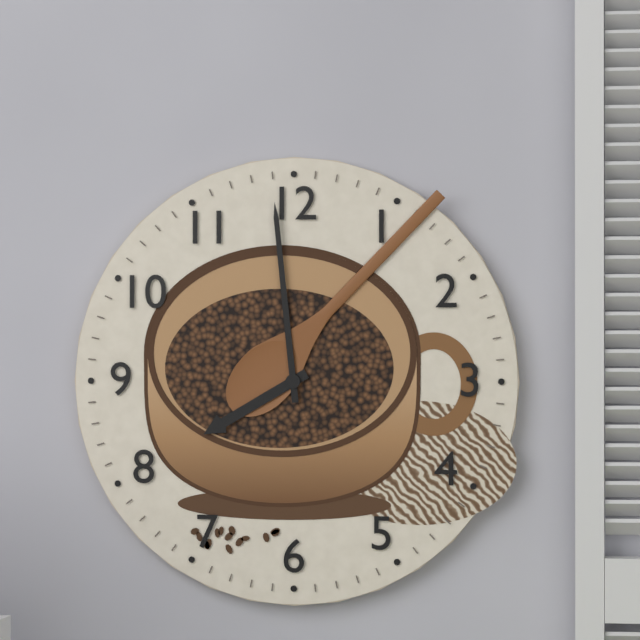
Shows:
7,59
